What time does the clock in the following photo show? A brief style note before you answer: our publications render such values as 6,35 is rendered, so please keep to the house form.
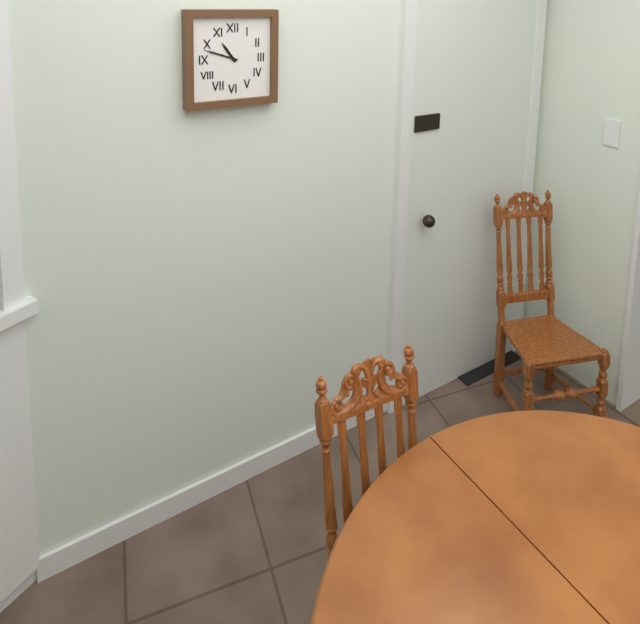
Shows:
10,48
